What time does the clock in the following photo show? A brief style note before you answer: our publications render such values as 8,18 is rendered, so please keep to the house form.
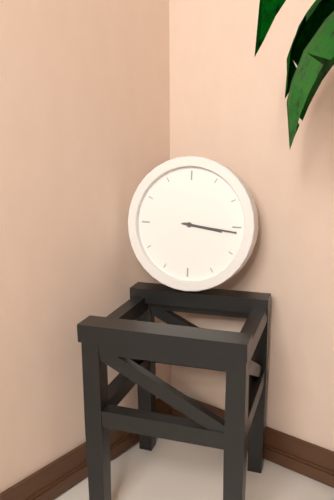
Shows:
3,16
